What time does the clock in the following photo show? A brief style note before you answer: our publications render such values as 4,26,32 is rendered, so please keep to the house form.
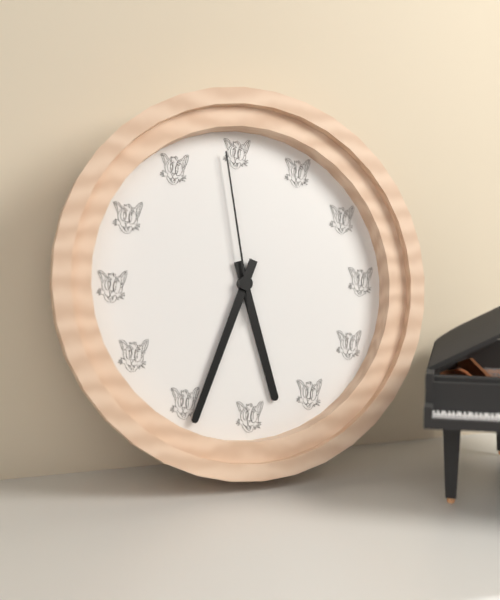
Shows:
5,34,59
